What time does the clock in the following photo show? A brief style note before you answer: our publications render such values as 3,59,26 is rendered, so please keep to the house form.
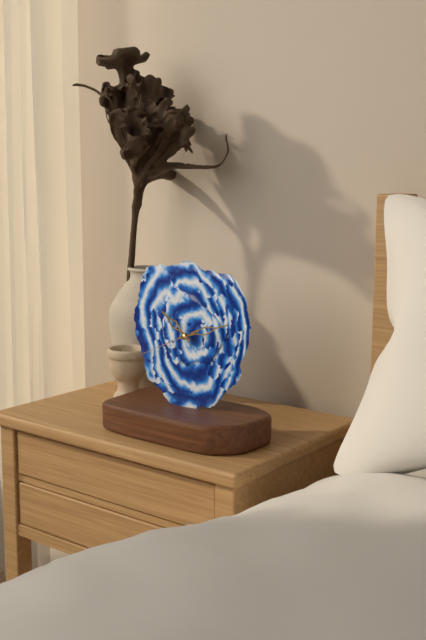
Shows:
10,12,41
